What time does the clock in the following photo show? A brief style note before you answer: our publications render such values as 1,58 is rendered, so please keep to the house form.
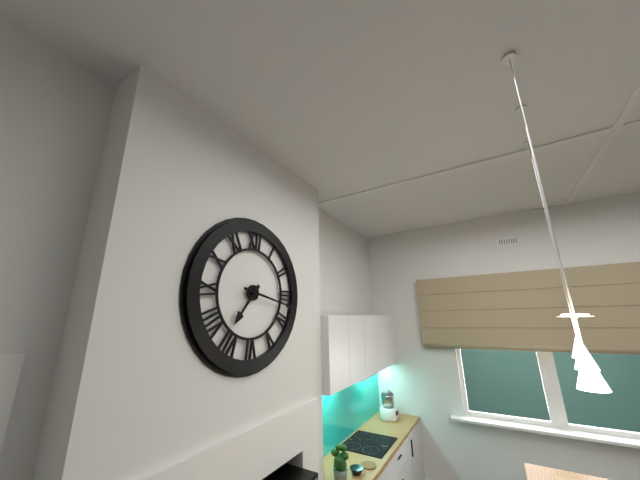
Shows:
7,17
